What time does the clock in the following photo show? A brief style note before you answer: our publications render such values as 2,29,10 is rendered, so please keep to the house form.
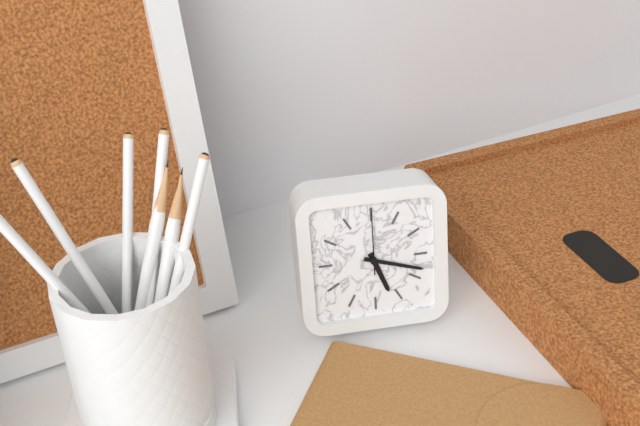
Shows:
5,18,00
